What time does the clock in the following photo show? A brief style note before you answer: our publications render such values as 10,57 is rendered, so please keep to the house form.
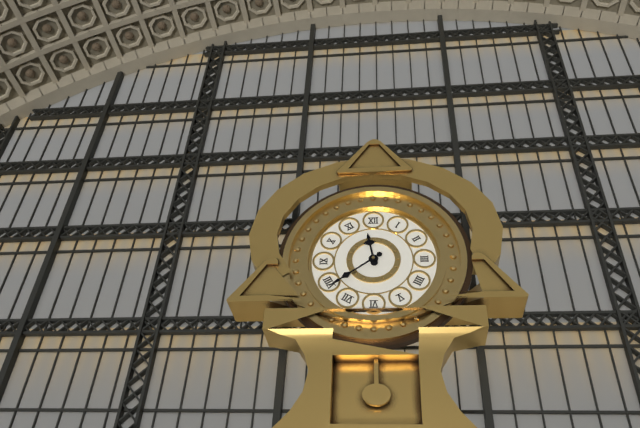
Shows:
11,39
